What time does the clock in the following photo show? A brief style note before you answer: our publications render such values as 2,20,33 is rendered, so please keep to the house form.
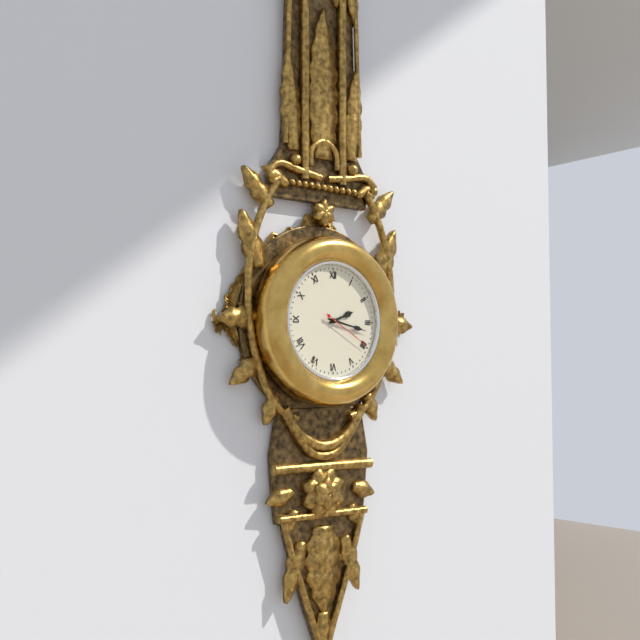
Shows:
2,17,20
